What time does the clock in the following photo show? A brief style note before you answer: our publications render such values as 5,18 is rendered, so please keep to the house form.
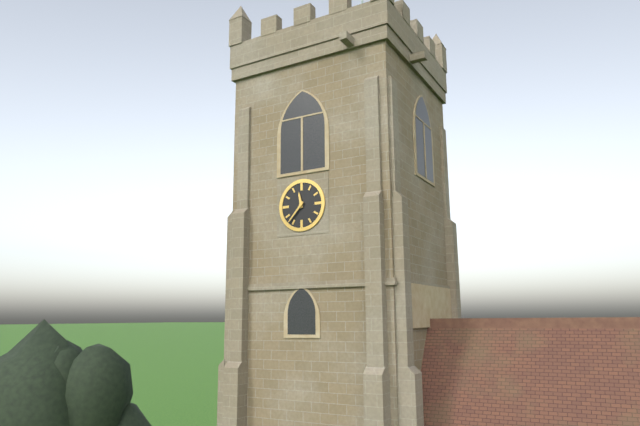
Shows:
11,37
